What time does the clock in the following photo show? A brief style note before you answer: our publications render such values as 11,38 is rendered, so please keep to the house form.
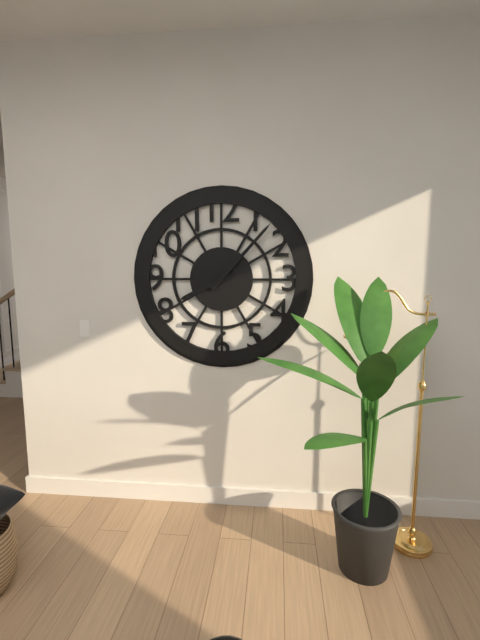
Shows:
8,07
